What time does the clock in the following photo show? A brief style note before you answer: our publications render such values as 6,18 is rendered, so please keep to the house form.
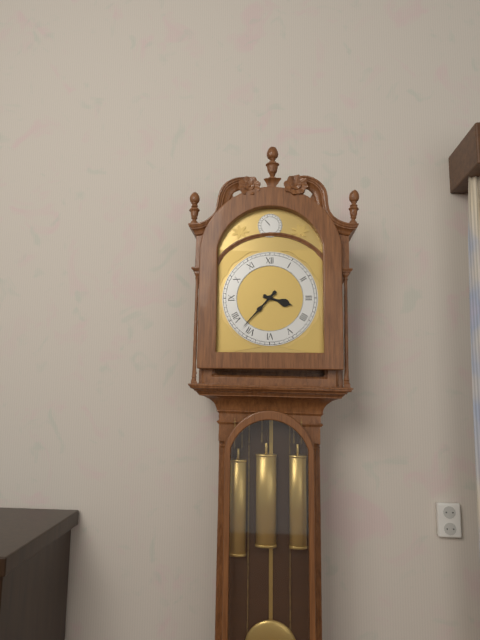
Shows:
3,37
